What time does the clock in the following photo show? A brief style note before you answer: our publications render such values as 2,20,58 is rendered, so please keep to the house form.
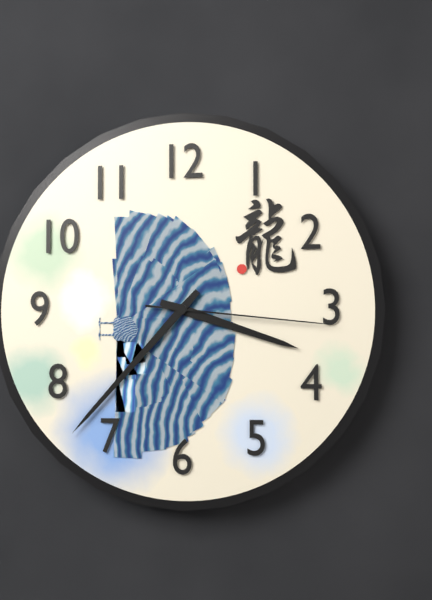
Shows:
3,37,16
